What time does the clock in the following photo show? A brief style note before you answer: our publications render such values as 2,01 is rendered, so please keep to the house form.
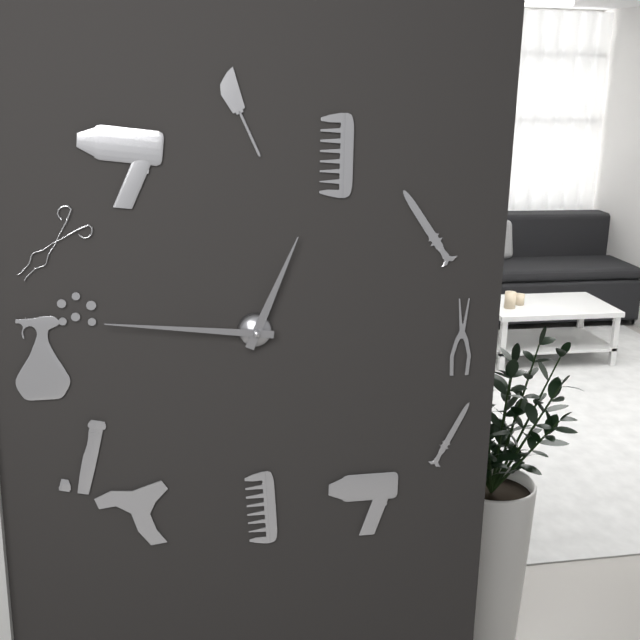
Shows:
12,46
